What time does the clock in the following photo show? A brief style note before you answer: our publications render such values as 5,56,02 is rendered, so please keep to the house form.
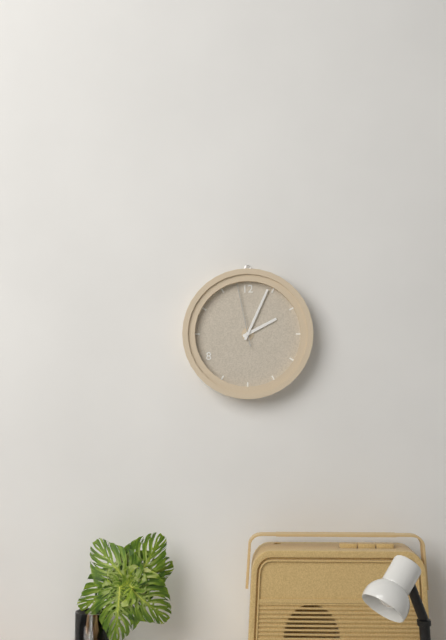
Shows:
2,04,58
